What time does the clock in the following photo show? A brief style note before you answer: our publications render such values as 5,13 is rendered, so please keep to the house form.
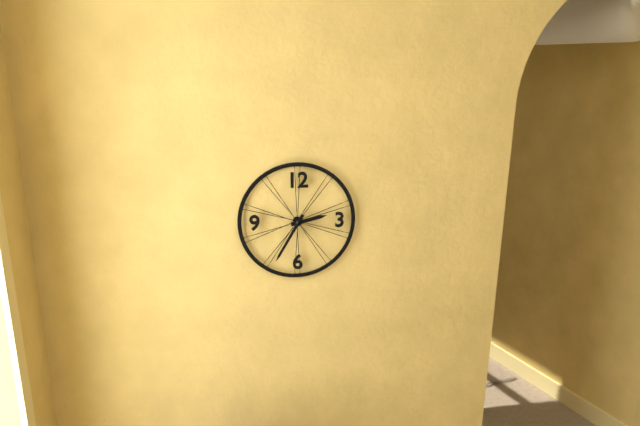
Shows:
2,35
